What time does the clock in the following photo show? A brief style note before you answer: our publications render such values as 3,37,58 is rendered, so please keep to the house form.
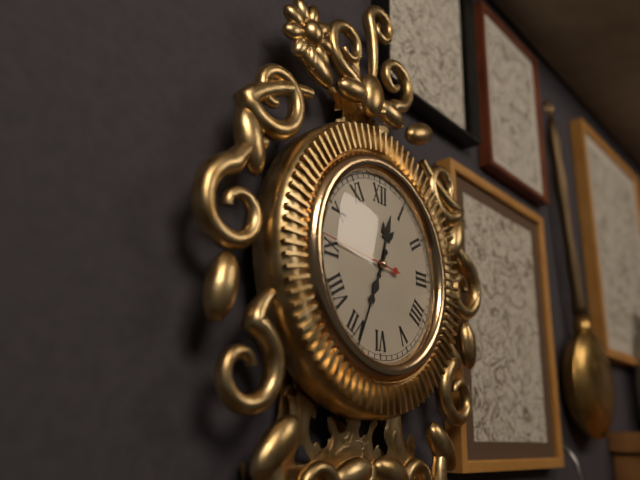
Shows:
12,34,46
